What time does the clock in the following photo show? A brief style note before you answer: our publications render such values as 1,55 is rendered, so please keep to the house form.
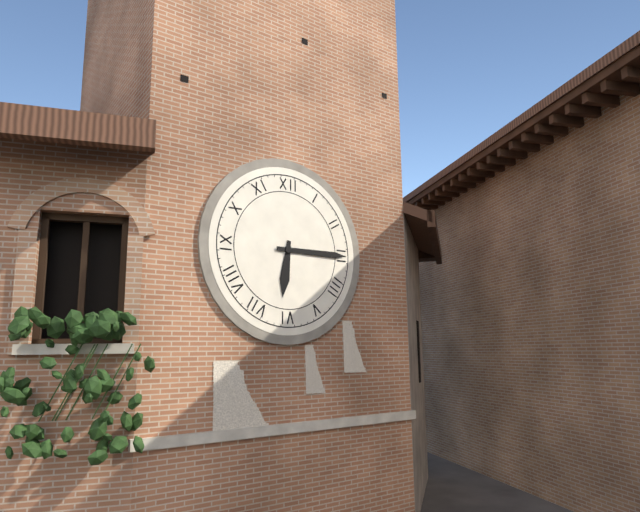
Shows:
6,15
